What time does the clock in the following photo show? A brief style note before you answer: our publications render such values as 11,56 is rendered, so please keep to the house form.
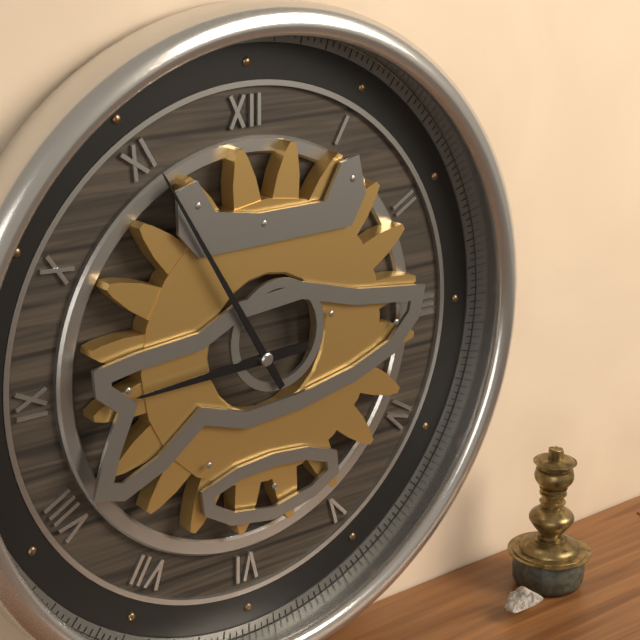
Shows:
8,55
